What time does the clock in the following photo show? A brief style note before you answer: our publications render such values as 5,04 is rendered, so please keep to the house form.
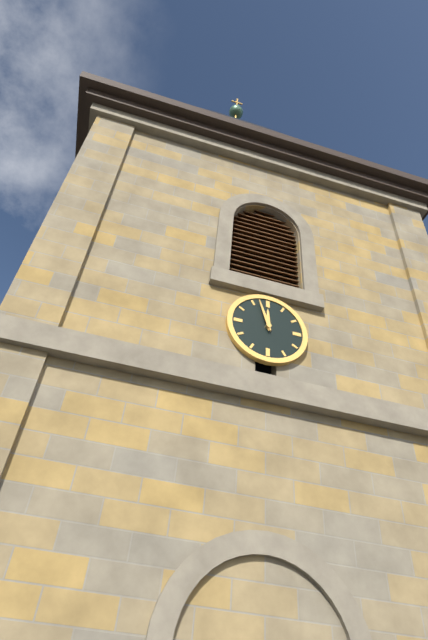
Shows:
11,57
